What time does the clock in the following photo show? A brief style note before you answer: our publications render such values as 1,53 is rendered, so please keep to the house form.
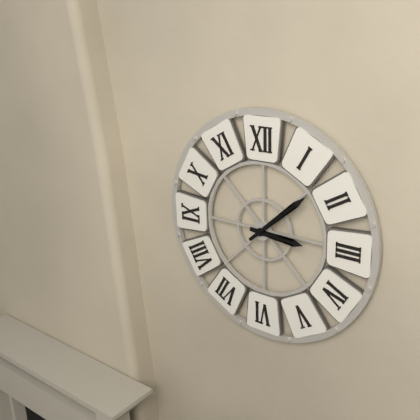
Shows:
3,08
